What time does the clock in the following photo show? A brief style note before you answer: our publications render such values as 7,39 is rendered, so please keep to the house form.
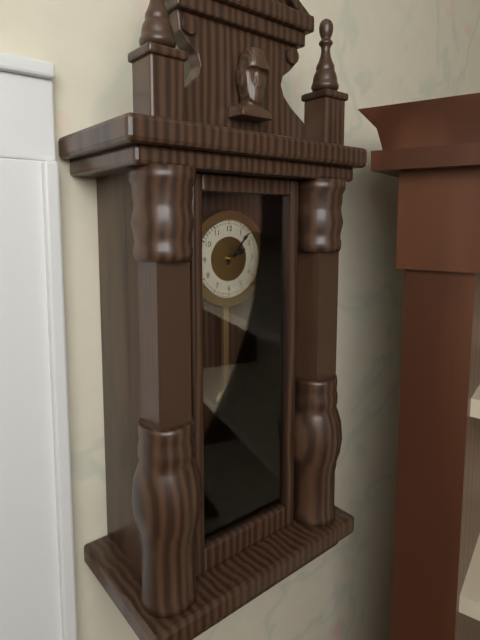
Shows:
2,07
